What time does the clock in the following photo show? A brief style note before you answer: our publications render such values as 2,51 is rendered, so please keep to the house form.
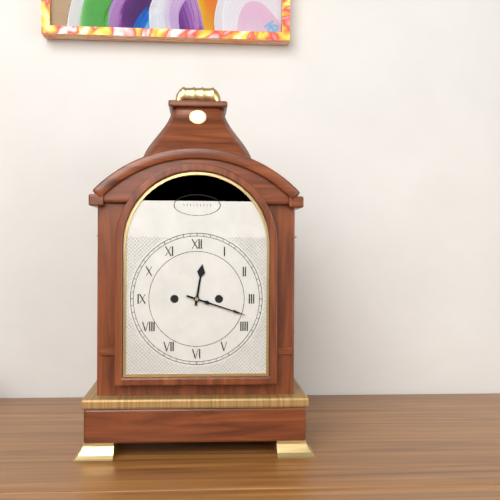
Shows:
12,18
